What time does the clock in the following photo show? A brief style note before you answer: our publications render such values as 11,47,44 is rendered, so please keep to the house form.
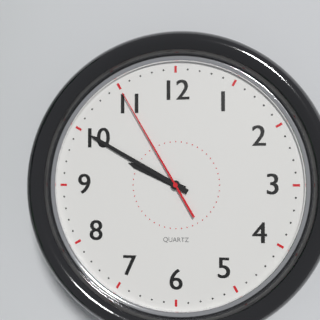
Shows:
9,50,55
